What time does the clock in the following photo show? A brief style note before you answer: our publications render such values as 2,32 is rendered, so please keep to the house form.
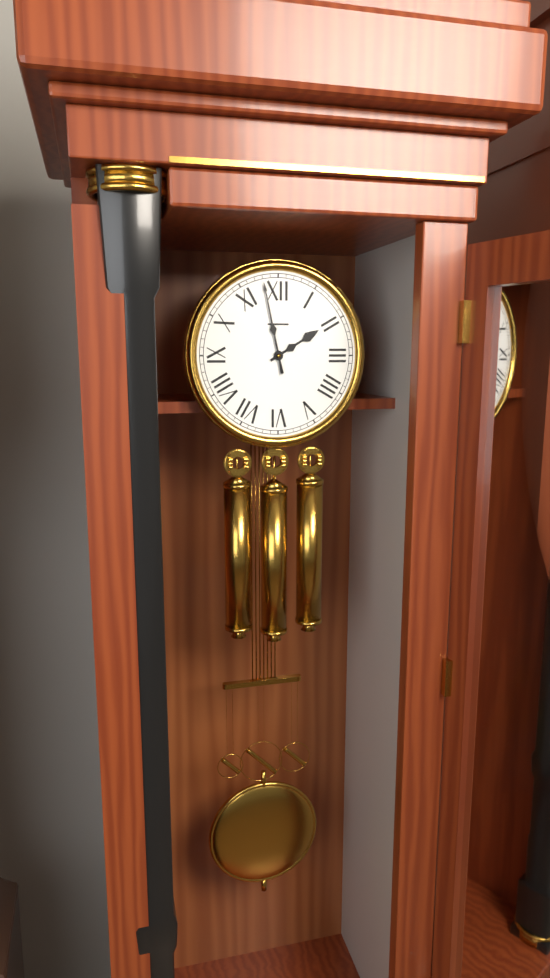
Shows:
1,58
